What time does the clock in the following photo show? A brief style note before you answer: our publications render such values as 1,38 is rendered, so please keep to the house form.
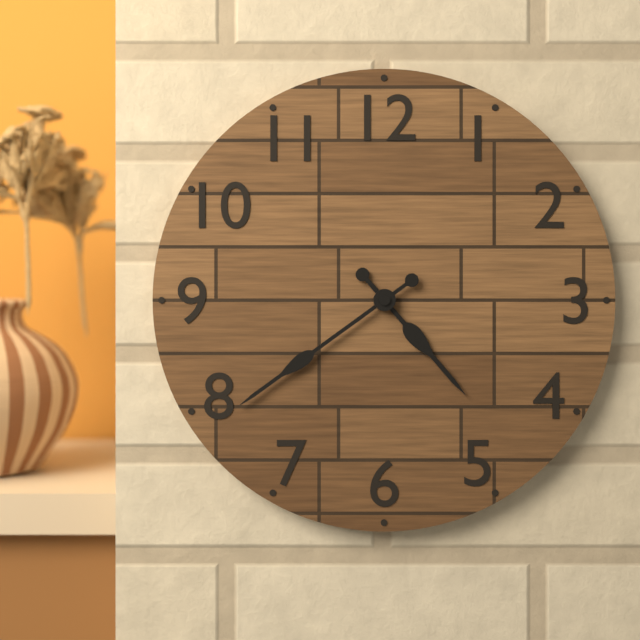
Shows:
4,39
